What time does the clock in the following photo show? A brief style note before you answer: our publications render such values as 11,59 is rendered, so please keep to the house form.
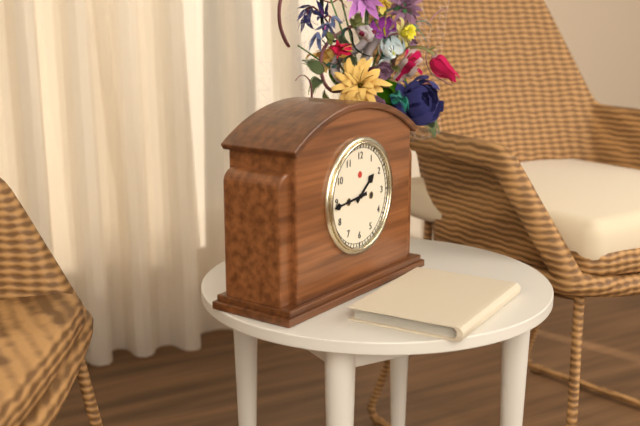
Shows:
1,44
